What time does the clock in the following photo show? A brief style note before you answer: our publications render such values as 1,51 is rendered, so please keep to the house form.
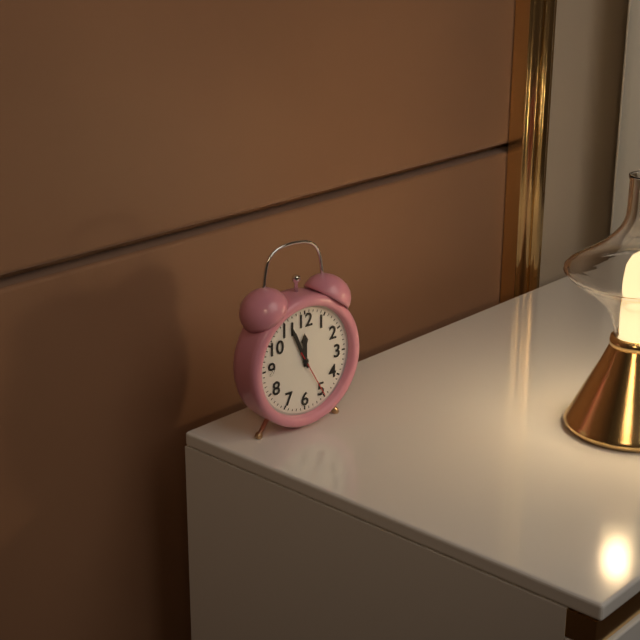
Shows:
11,56
